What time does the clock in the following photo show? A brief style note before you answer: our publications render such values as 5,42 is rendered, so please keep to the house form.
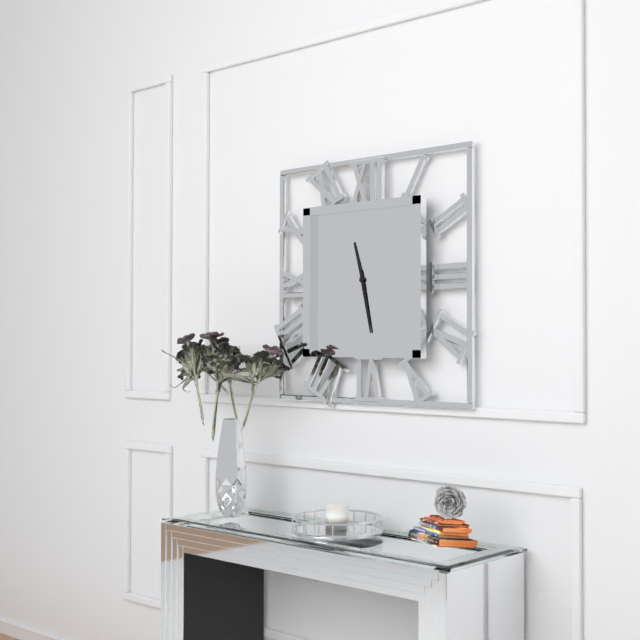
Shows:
11,28
